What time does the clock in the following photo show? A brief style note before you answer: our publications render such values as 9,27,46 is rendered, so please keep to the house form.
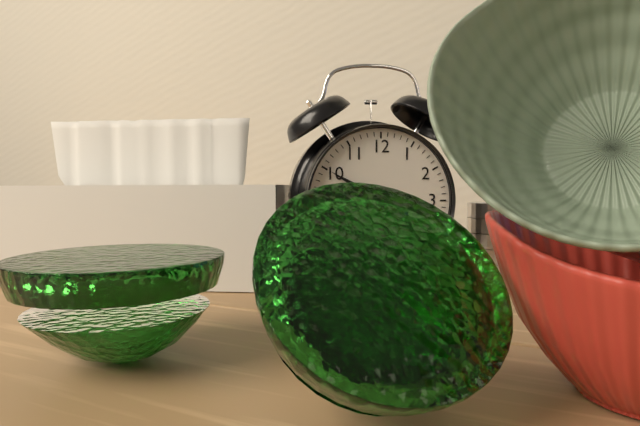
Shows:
9,50,26
